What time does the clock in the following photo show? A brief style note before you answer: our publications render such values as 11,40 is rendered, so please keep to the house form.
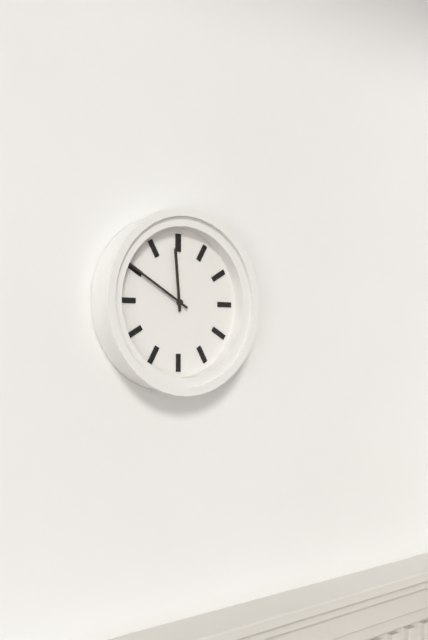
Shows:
11,50
